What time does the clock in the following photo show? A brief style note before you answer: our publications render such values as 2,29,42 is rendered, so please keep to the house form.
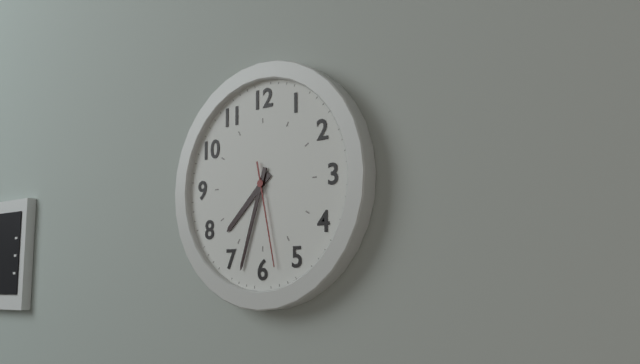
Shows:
7,33,28
